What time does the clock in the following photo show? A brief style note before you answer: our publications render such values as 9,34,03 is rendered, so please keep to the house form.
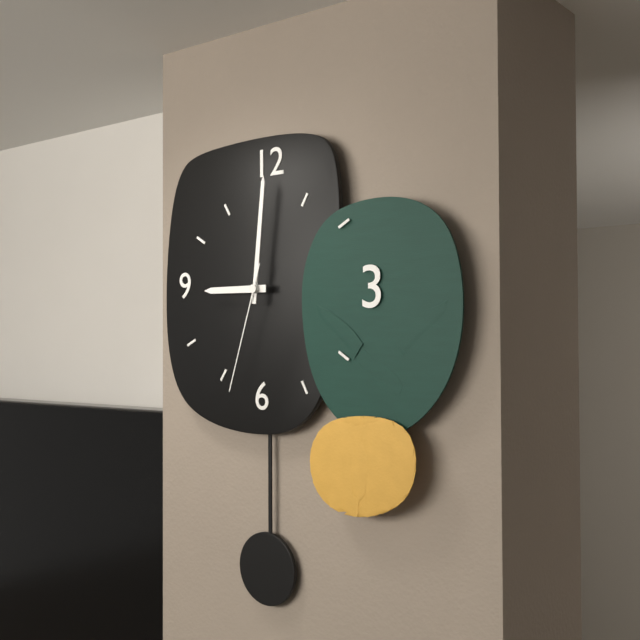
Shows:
9,01,33
